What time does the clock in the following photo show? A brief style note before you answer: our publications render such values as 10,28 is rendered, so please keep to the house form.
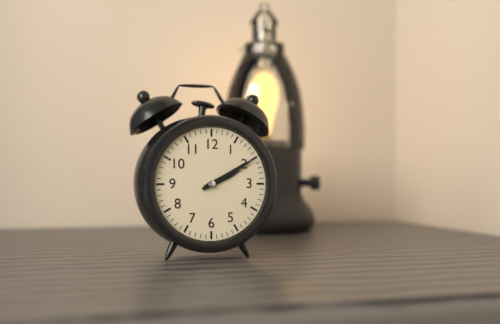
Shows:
2,10
